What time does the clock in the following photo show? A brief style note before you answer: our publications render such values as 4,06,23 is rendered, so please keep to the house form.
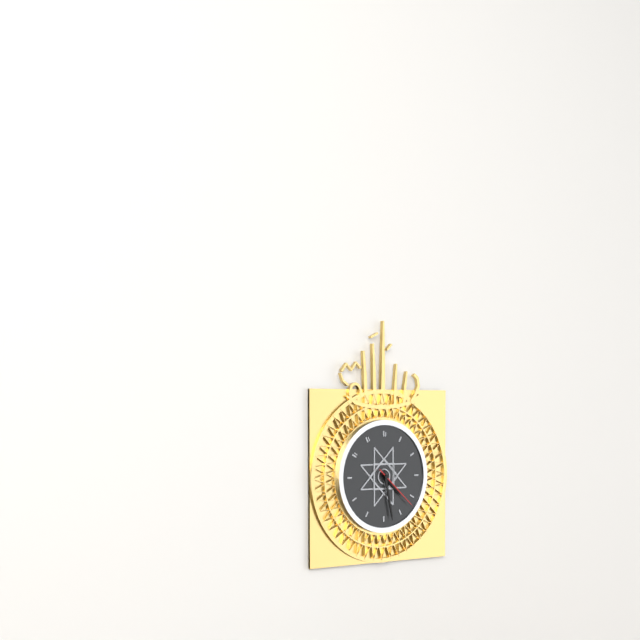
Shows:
4,28,22
